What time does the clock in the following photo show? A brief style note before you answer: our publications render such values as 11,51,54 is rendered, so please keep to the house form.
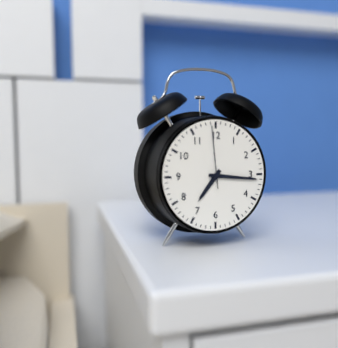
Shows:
7,16,59
